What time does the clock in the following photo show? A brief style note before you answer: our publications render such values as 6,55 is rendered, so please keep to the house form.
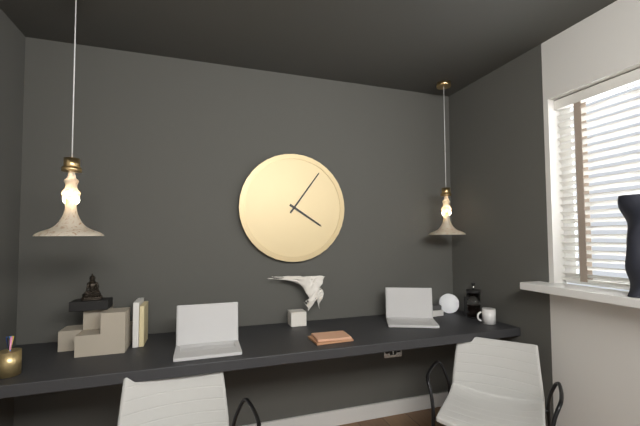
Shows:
4,06
